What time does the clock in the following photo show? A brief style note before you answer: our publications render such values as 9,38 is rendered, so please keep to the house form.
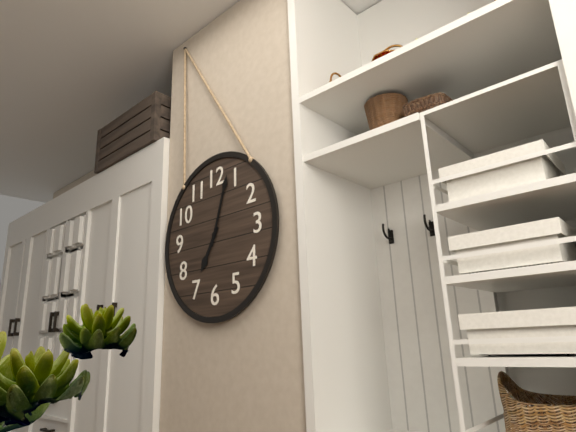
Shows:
7,03
